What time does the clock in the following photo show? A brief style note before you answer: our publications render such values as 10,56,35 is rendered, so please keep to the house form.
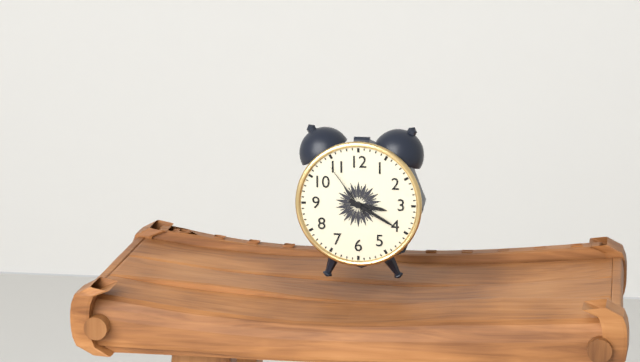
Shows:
3,20,54
